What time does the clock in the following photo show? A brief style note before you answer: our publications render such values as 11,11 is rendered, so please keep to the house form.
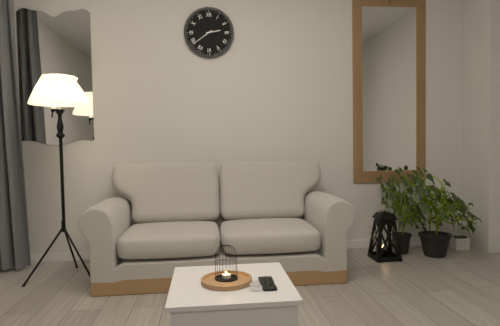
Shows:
2,39
